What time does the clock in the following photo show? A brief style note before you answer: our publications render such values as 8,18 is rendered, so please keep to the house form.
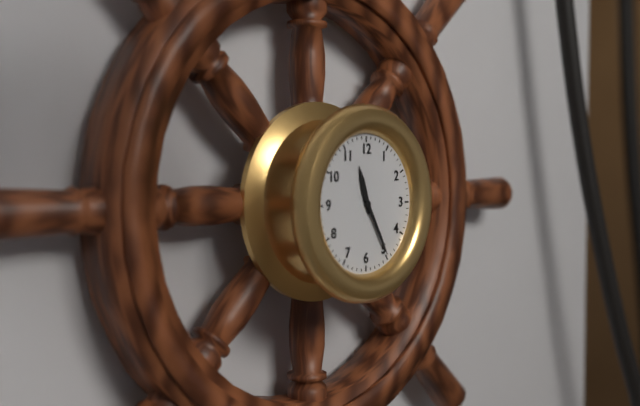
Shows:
11,25
